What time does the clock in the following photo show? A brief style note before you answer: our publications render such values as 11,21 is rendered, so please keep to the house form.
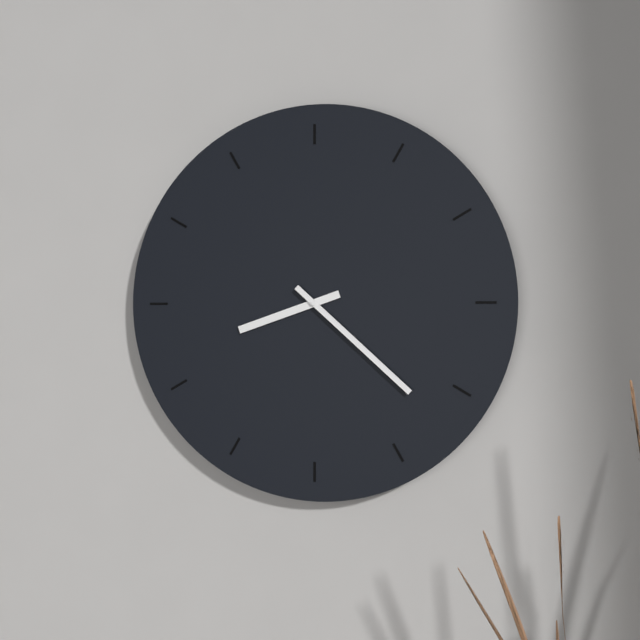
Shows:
8,22
